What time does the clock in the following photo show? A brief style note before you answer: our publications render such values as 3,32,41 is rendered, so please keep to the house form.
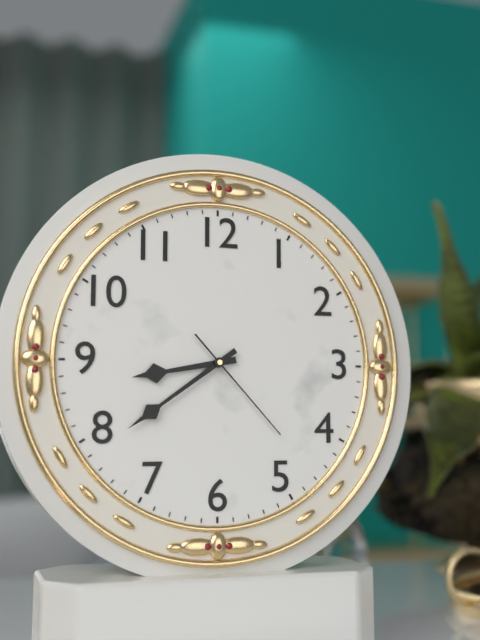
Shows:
8,39,23
